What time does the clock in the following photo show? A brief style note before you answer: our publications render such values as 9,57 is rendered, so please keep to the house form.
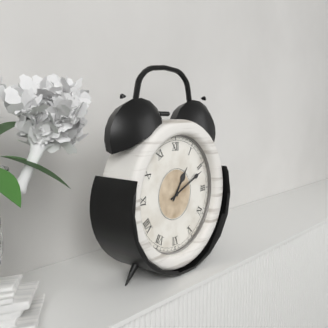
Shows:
1,11
